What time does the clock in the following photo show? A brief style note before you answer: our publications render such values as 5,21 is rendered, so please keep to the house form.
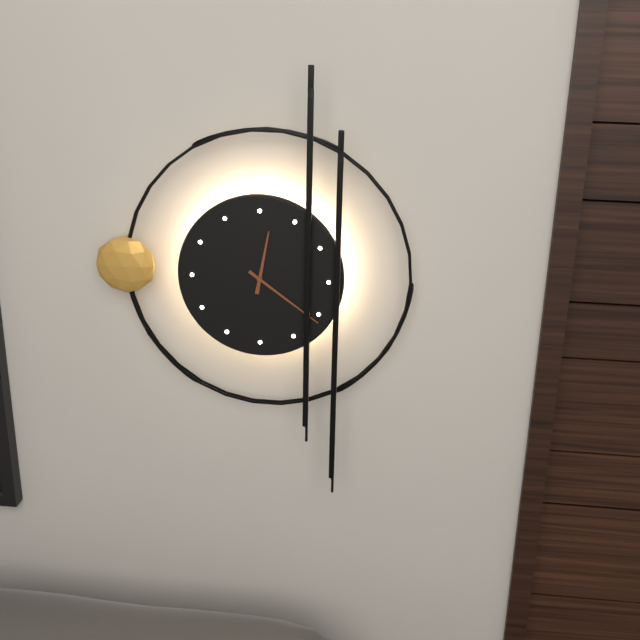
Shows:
12,21
